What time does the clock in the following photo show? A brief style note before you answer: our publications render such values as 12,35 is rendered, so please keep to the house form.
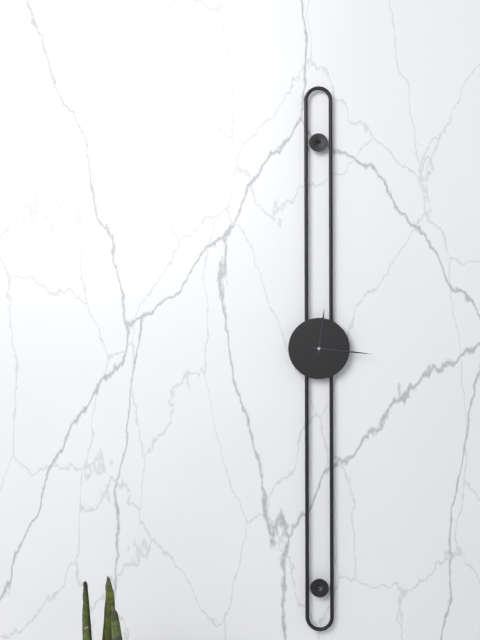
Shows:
12,16
